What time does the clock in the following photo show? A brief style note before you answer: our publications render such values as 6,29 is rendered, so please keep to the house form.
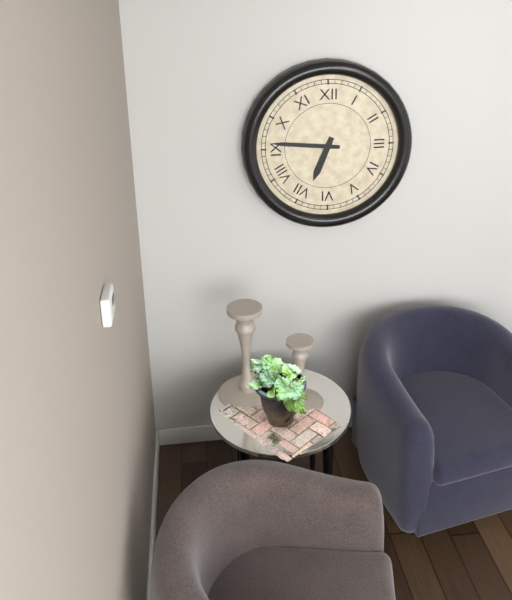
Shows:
6,46
